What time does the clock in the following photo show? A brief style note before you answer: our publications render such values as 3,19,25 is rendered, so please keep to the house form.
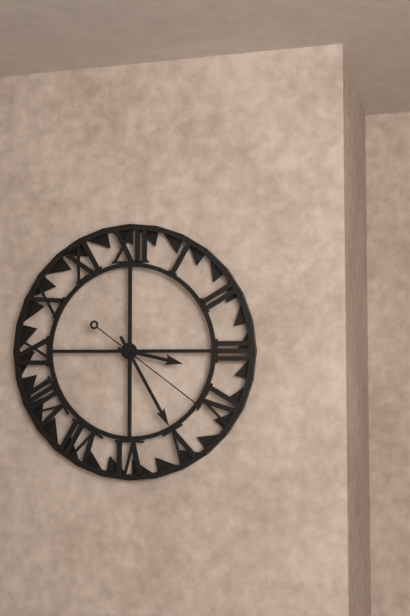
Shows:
3,25,21
